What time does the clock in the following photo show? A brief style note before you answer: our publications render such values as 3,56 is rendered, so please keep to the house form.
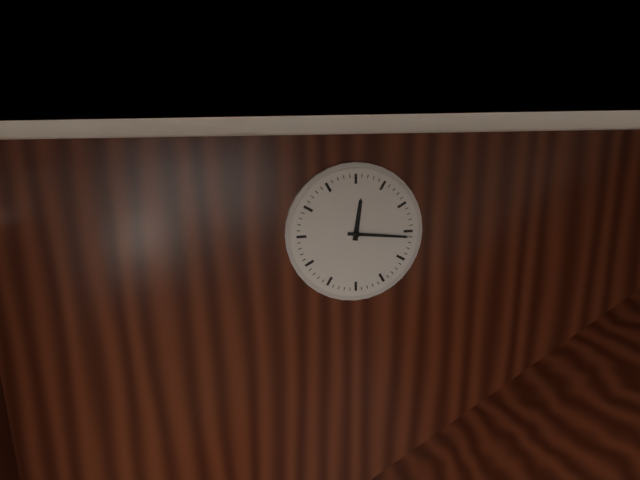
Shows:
12,16
